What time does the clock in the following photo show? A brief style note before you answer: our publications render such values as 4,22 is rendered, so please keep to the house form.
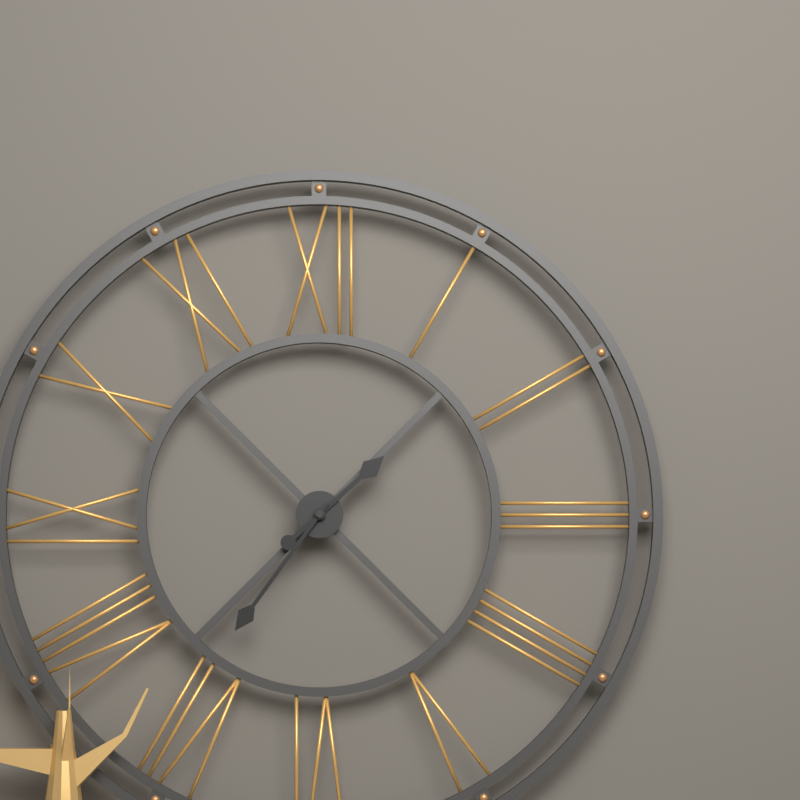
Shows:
1,36
